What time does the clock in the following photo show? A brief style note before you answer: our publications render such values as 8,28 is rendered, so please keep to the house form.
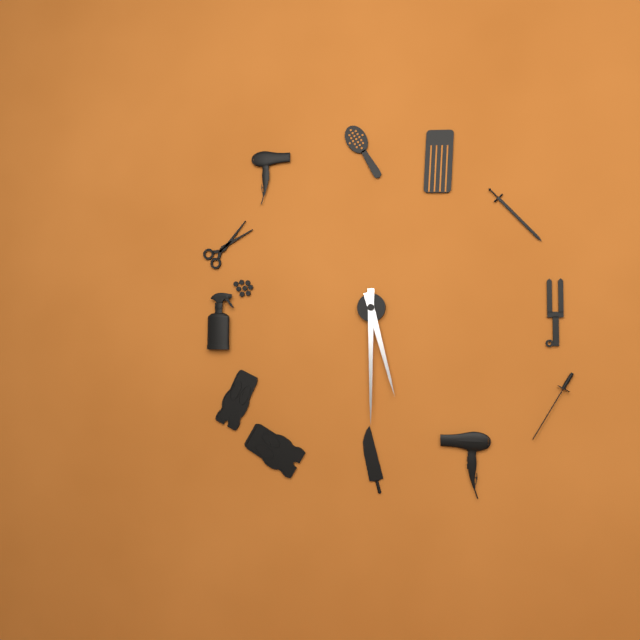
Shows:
5,30
